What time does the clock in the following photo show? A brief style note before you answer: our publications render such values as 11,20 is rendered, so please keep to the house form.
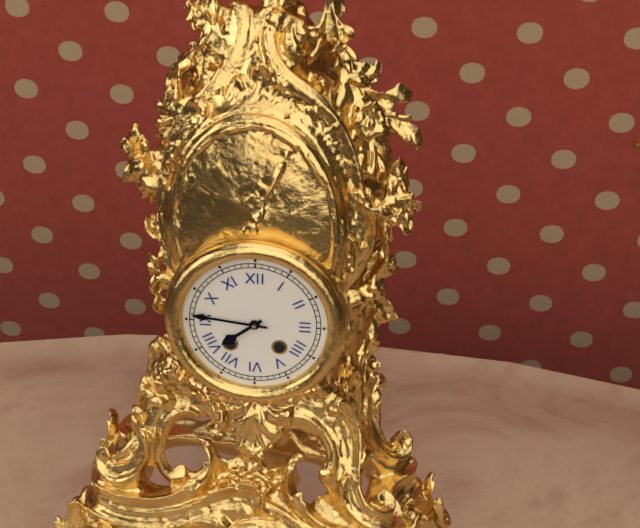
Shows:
7,46
